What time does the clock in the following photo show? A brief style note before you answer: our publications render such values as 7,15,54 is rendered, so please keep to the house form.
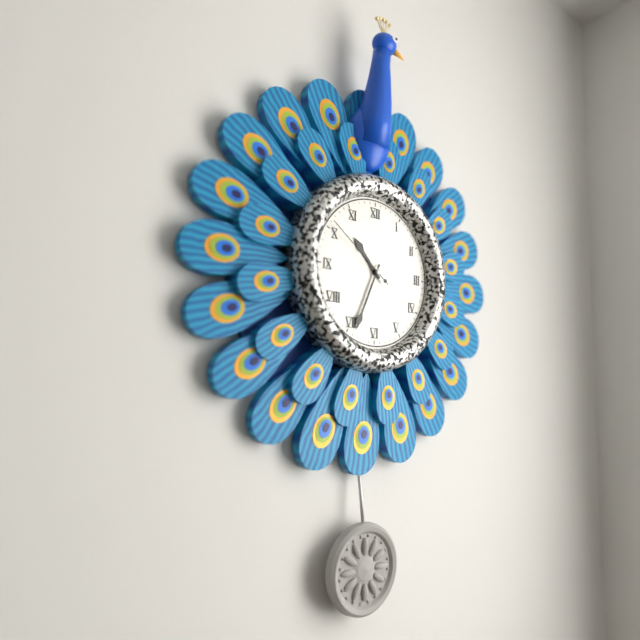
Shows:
10,34,51
